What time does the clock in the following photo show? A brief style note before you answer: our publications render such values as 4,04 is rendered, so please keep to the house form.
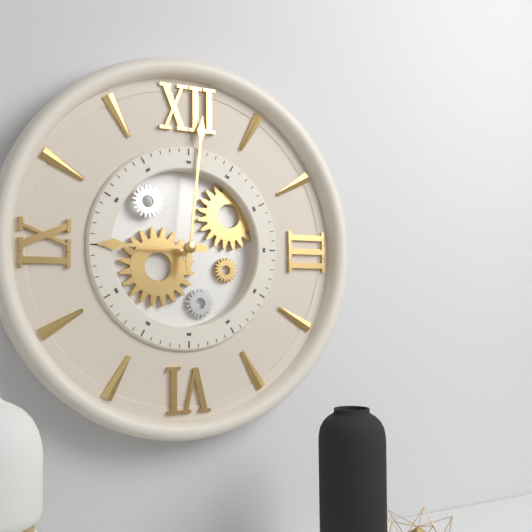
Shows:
9,01
